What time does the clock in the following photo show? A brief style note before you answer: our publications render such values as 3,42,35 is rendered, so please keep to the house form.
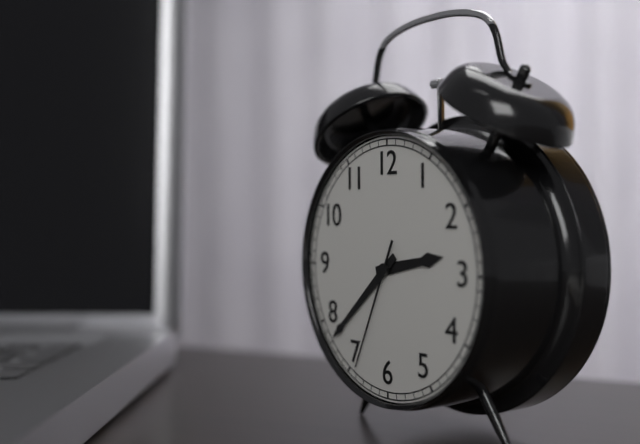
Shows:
2,38,34
